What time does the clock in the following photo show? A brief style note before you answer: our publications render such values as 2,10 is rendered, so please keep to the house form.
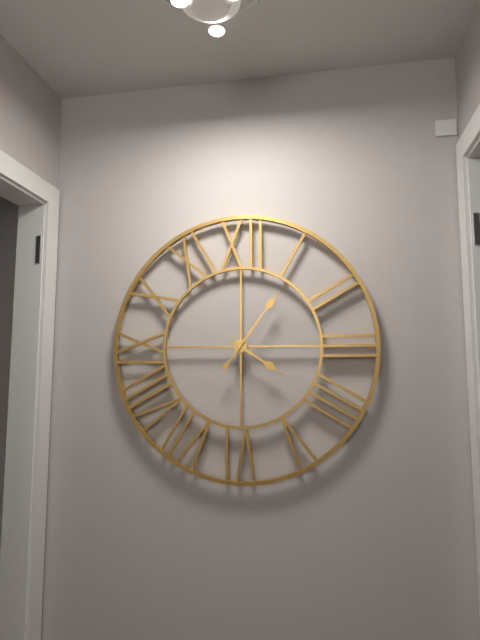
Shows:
4,06
